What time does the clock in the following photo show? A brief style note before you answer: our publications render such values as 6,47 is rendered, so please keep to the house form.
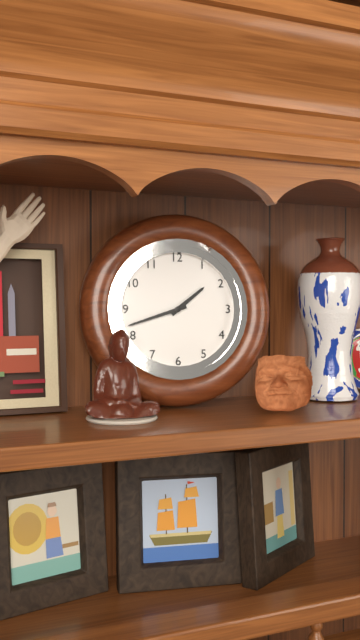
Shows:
1,42
